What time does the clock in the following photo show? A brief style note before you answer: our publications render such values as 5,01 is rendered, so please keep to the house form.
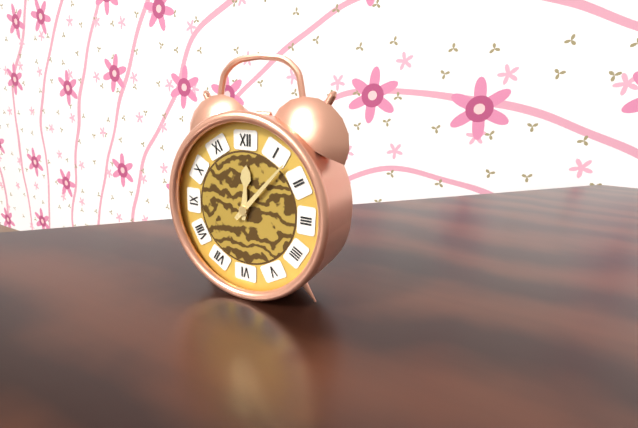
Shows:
12,07
